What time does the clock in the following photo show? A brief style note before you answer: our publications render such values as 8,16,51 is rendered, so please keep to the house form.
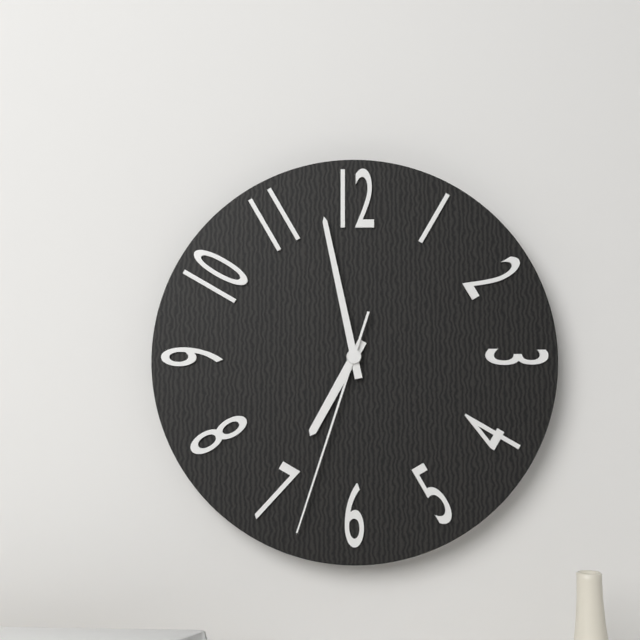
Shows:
6,58,33
